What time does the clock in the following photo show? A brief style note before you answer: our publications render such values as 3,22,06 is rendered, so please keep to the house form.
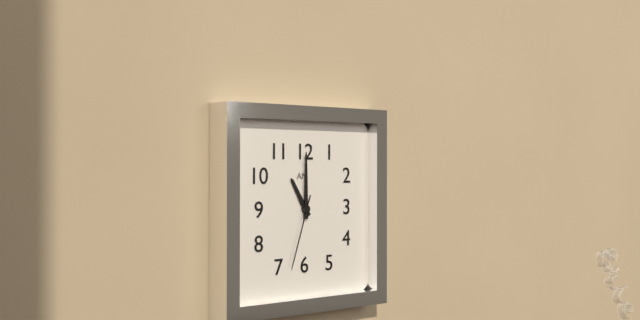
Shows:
11,00,33
